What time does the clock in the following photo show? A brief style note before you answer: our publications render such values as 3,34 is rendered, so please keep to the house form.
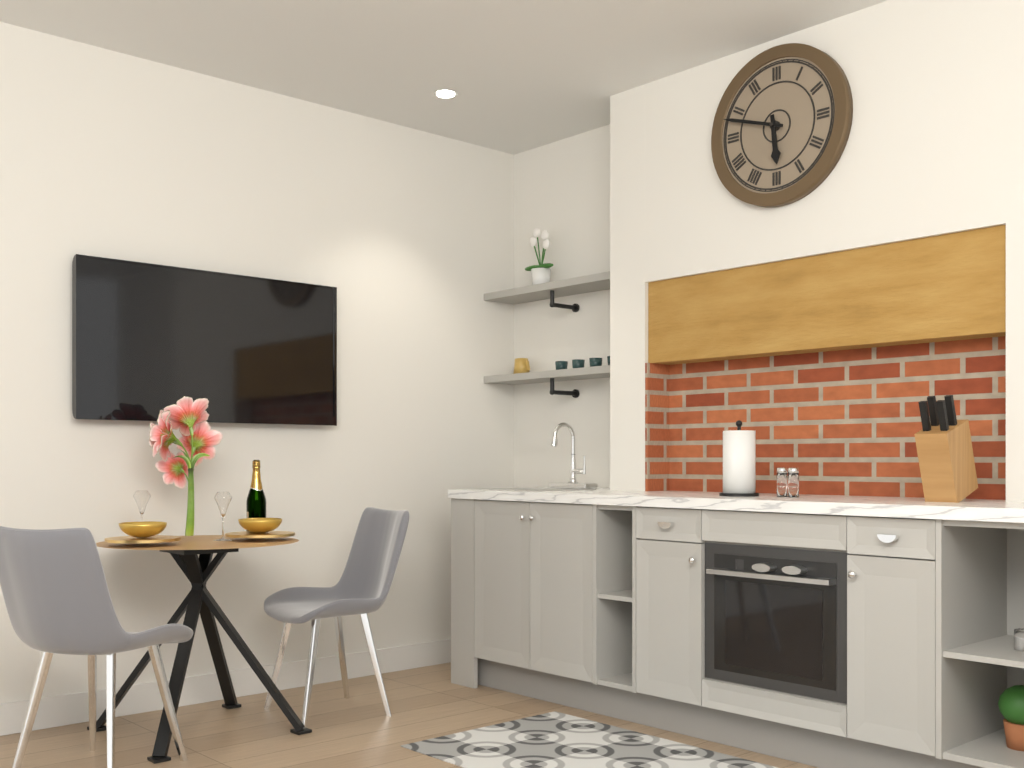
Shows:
5,48
